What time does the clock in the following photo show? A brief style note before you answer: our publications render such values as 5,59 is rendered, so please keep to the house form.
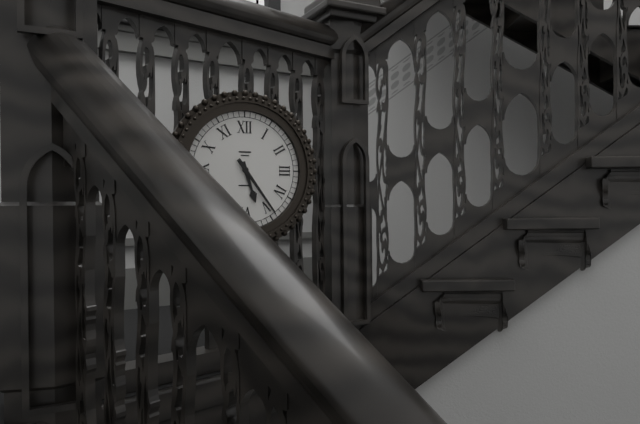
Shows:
5,24
